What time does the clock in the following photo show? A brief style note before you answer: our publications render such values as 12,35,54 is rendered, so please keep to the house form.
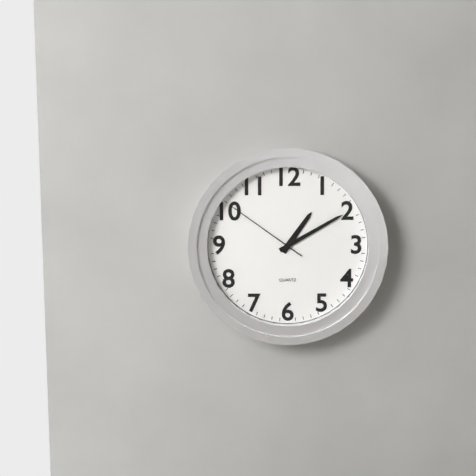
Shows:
1,10,51
